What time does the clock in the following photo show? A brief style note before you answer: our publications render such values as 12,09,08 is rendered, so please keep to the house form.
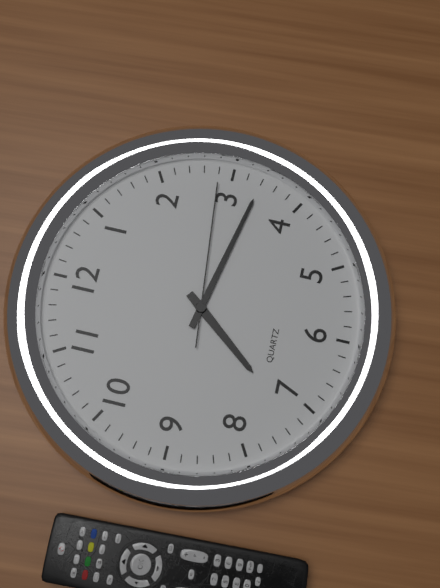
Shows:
7,17,14
